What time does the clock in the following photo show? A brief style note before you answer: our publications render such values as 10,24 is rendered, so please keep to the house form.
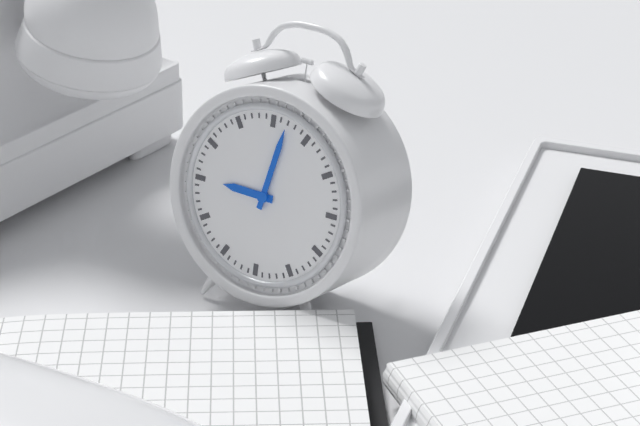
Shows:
9,02
